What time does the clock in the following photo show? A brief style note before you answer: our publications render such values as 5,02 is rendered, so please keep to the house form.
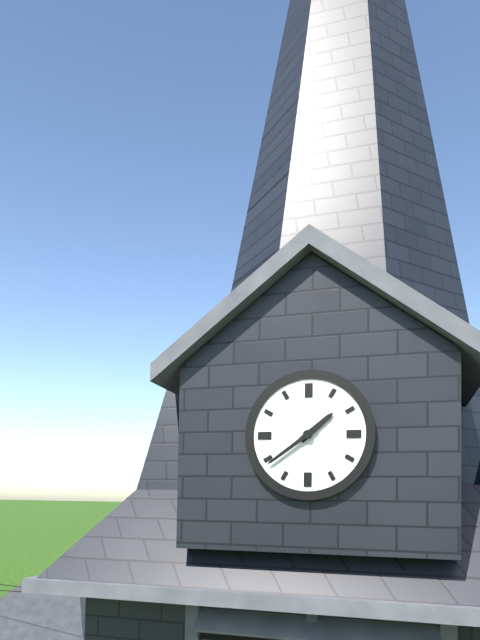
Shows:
1,39
